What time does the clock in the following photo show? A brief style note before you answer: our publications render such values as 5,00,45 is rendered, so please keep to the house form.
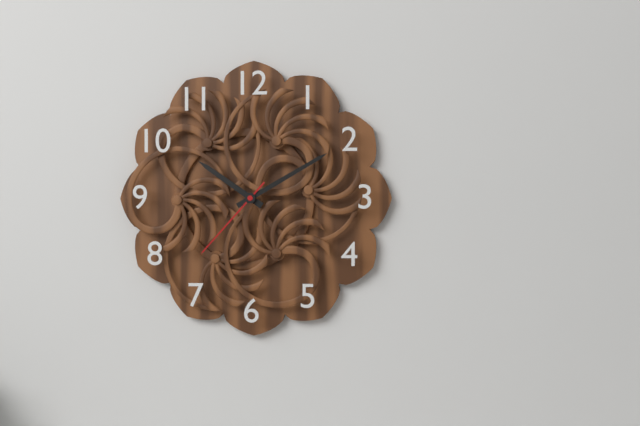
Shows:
10,10,37
